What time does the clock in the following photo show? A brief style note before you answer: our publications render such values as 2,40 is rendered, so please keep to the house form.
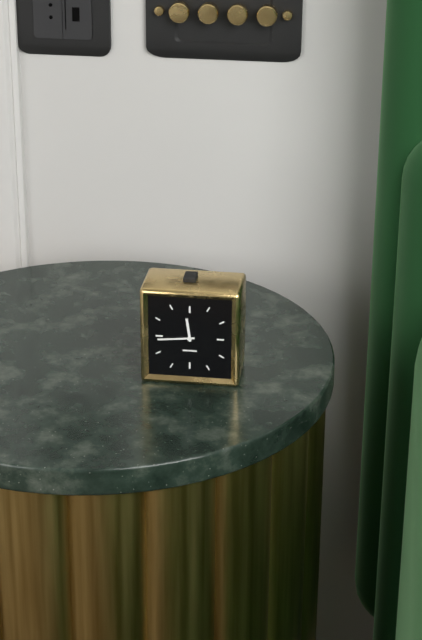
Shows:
11,44
